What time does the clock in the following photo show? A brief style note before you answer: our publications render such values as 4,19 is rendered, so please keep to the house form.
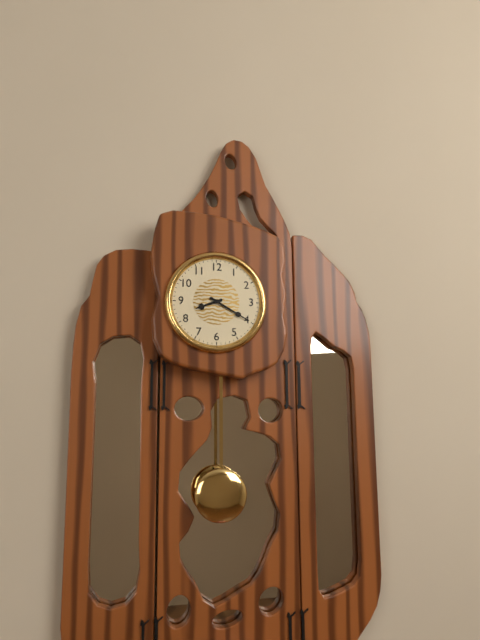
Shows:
8,20
